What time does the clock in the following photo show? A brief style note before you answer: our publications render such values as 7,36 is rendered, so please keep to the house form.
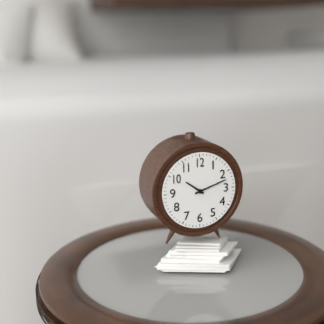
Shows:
10,12
